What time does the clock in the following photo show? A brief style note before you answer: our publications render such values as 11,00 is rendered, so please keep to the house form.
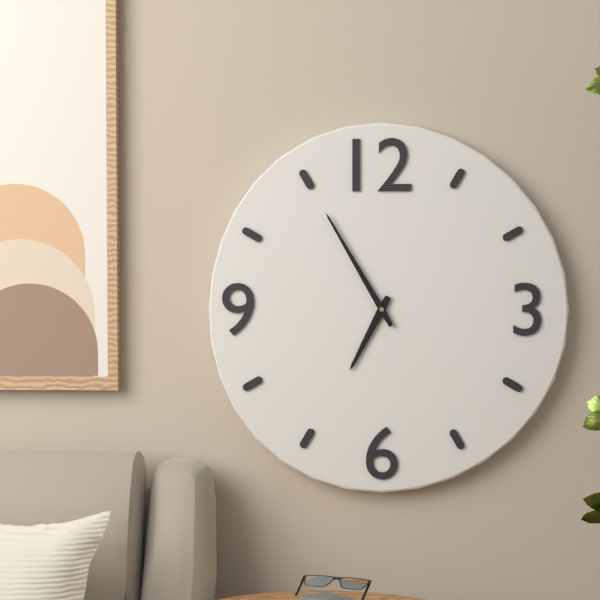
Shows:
6,55
